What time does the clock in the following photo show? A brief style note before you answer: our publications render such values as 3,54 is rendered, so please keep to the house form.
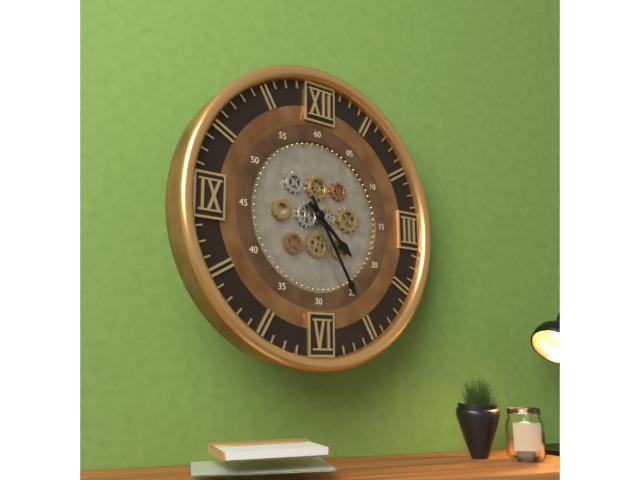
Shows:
4,25
